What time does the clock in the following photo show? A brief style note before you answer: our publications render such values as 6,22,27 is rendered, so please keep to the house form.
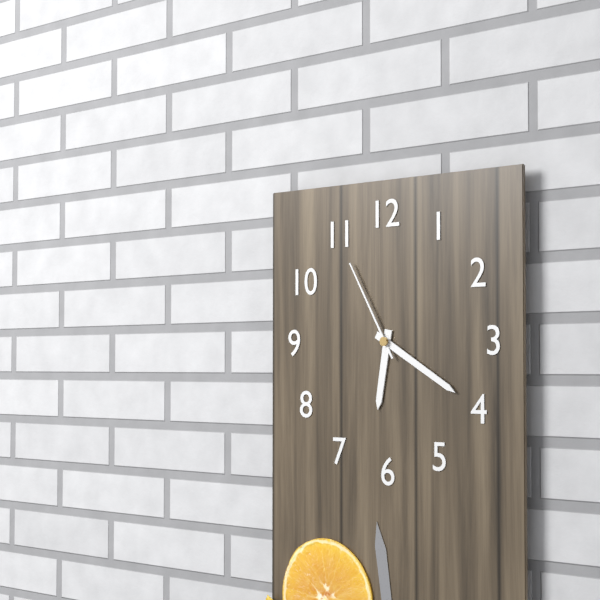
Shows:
6,20,55
